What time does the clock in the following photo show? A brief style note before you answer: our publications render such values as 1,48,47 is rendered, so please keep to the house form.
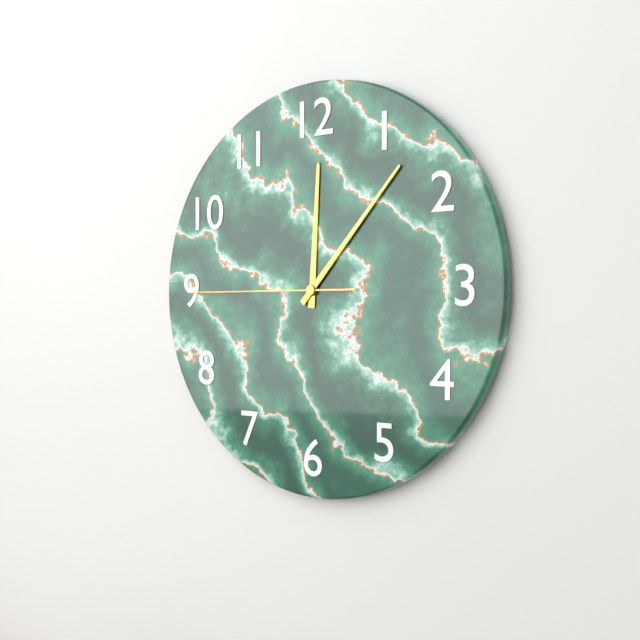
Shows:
12,07,45
